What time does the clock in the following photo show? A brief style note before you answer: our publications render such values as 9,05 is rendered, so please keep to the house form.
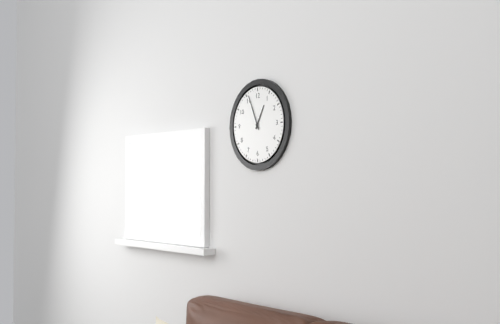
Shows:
12,56
